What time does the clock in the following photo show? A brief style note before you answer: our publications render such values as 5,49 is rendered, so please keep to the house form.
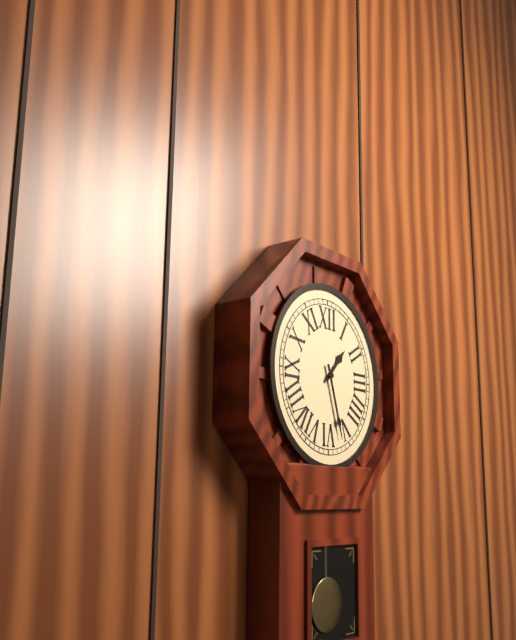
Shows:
1,27
